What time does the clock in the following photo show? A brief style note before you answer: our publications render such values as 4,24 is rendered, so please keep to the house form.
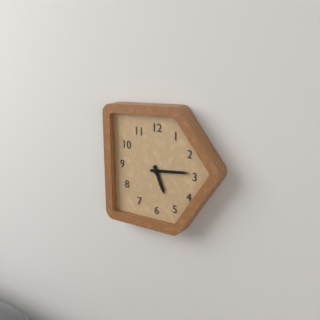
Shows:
5,14
